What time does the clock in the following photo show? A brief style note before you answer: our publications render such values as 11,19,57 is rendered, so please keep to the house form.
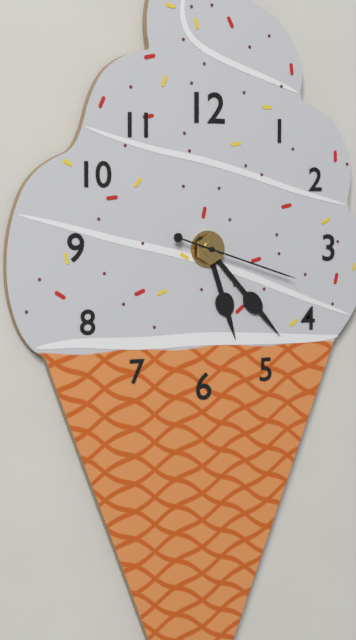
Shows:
5,23,18
